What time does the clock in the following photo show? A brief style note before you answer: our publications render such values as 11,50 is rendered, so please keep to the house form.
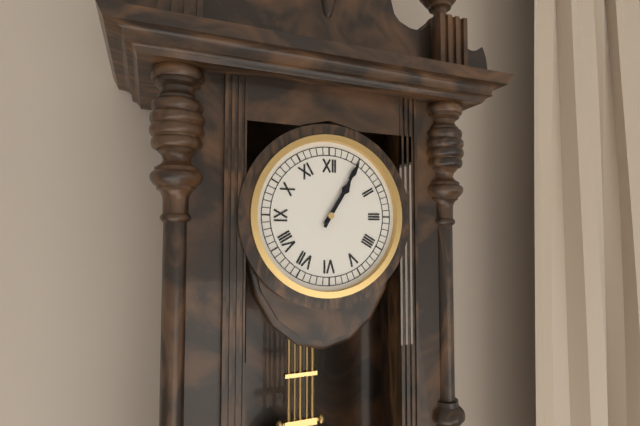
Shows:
1,05
